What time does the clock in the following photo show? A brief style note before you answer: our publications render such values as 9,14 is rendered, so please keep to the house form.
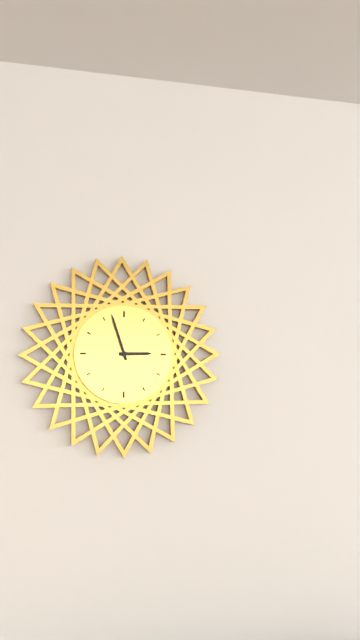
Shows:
2,57
